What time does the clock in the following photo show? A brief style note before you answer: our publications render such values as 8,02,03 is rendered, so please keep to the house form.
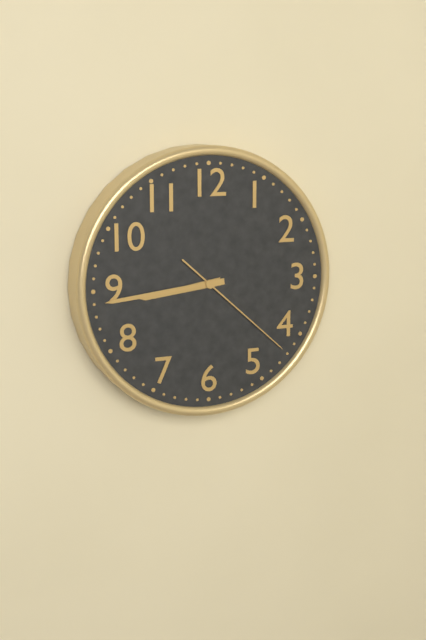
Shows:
8,44,22
